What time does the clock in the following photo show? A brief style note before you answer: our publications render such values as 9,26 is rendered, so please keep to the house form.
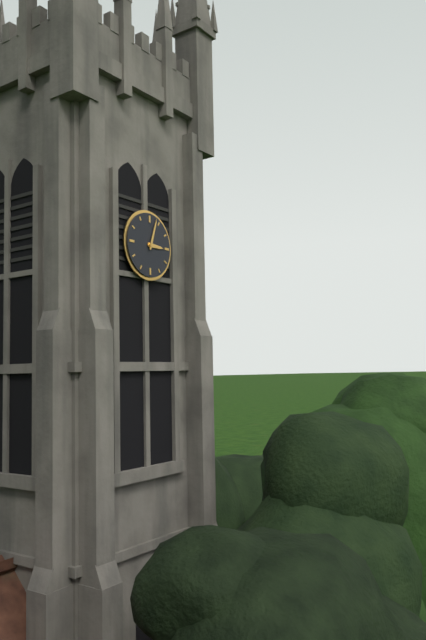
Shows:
3,03
